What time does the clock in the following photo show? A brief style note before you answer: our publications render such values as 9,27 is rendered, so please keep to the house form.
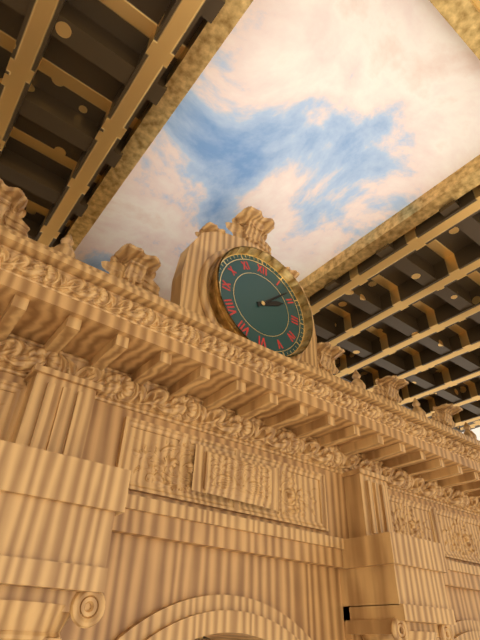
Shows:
2,08
